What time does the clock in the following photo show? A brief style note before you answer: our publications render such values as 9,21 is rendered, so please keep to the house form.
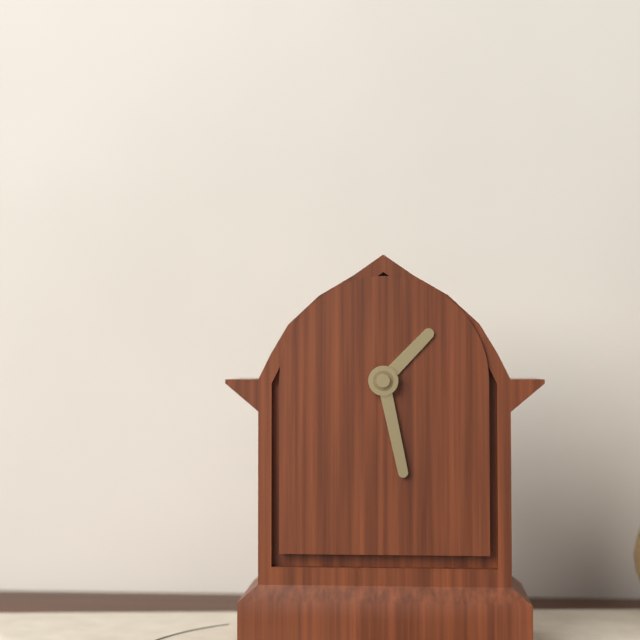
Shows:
1,28
